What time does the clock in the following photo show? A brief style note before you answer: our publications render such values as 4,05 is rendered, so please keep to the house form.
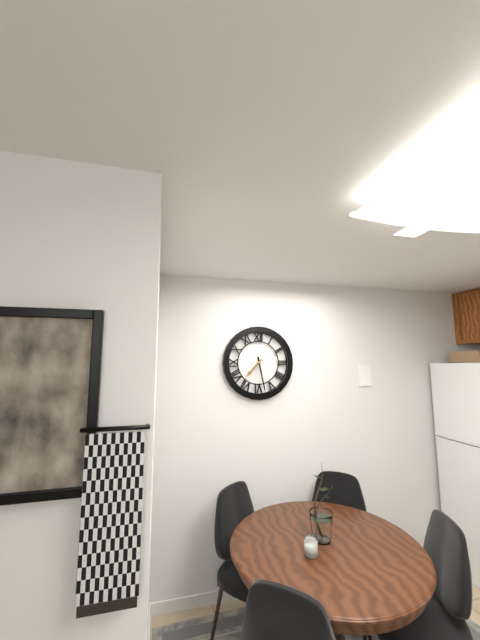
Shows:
7,28
